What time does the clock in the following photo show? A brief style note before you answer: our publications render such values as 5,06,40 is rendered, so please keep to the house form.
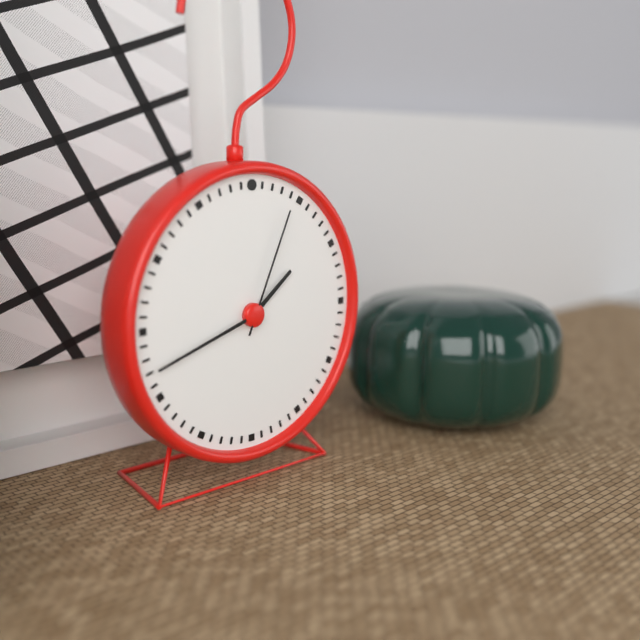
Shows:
1,42,04
